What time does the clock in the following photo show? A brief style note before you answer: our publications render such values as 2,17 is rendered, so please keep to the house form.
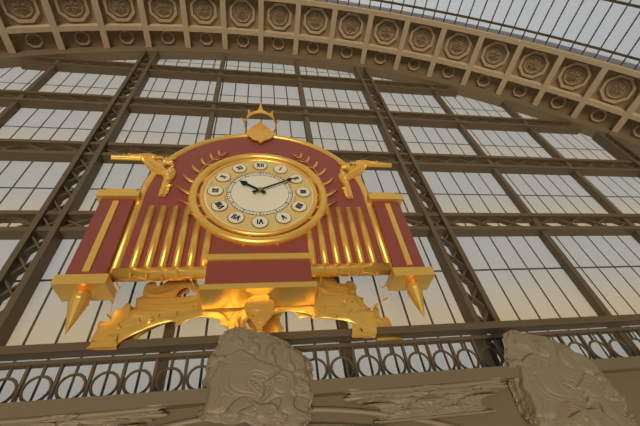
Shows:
10,10
